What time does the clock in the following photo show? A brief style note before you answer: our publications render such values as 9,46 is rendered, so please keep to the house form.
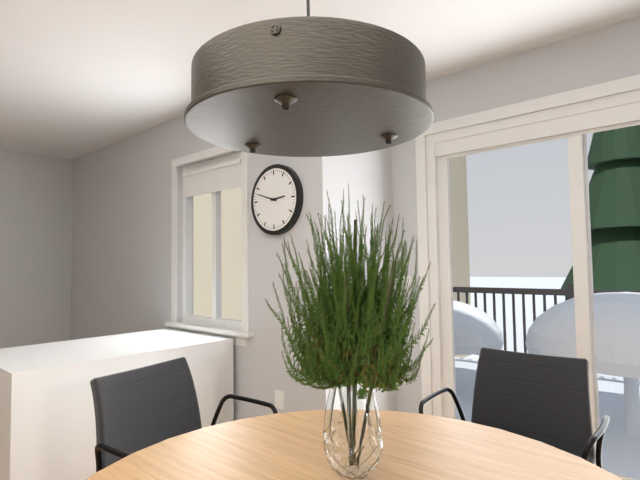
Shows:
2,48
